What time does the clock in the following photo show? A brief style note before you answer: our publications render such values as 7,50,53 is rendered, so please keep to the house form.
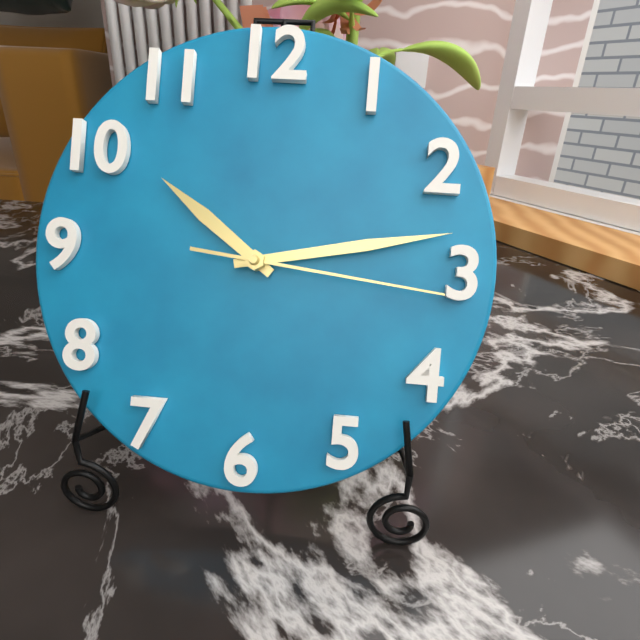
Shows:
10,13,16
